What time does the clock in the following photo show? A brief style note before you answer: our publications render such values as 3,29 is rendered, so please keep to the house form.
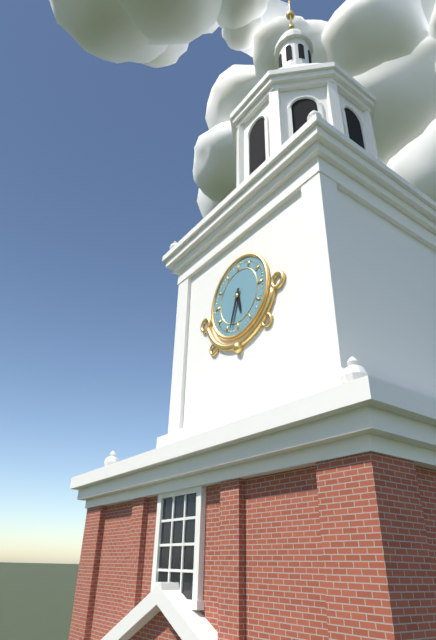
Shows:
5,33
